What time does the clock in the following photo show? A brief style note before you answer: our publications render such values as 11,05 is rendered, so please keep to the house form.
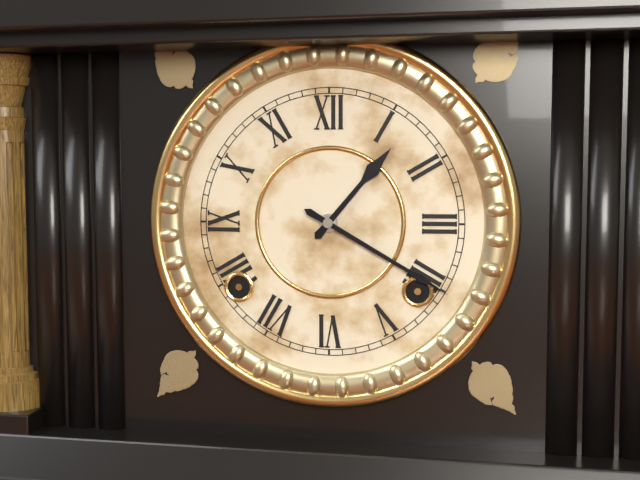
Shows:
1,20
